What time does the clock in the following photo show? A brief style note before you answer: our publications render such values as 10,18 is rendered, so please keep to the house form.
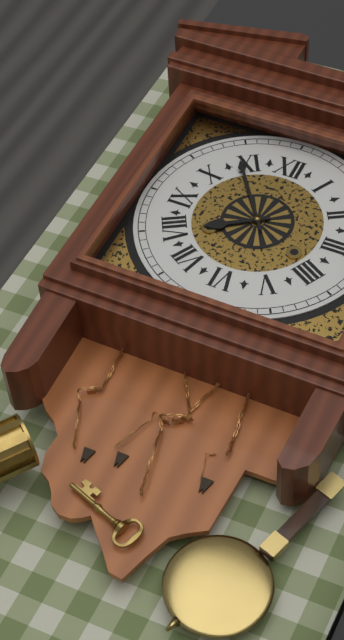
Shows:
7,54
